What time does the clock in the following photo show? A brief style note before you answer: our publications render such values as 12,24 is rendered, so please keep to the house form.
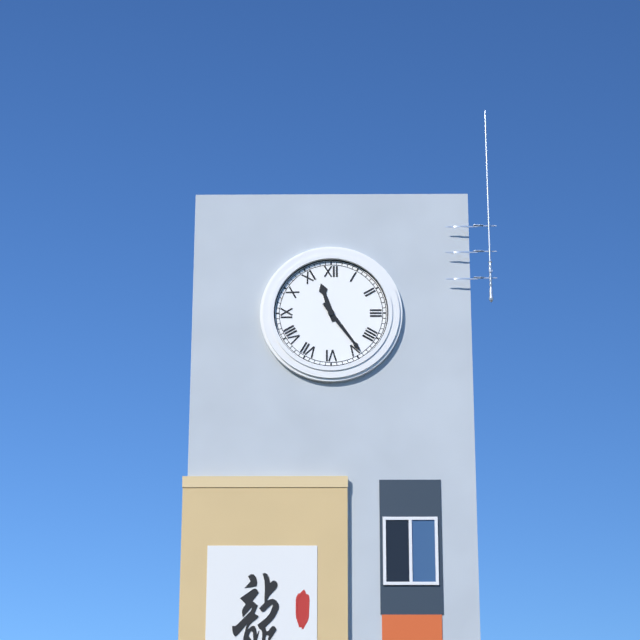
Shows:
11,24
